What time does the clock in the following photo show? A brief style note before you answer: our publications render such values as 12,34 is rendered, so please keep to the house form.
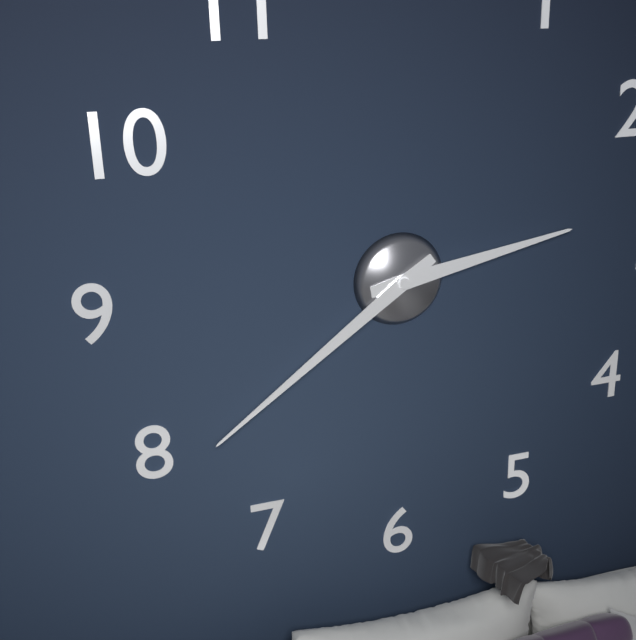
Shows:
2,39
